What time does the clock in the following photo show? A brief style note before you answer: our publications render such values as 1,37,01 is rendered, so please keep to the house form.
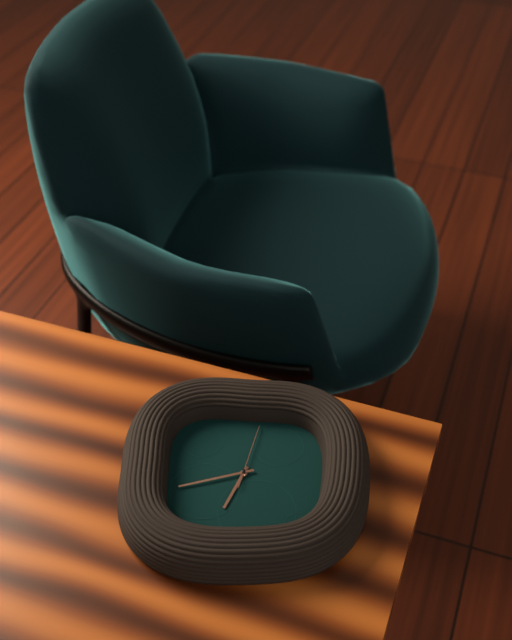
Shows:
6,42,02
